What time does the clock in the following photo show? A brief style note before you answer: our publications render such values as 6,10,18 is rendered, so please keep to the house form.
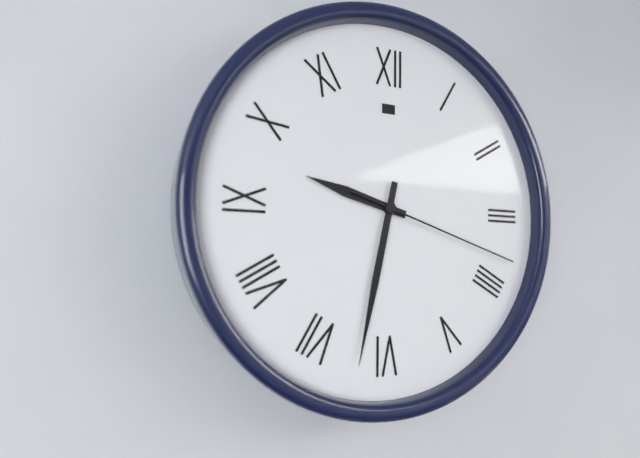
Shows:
9,32,18
